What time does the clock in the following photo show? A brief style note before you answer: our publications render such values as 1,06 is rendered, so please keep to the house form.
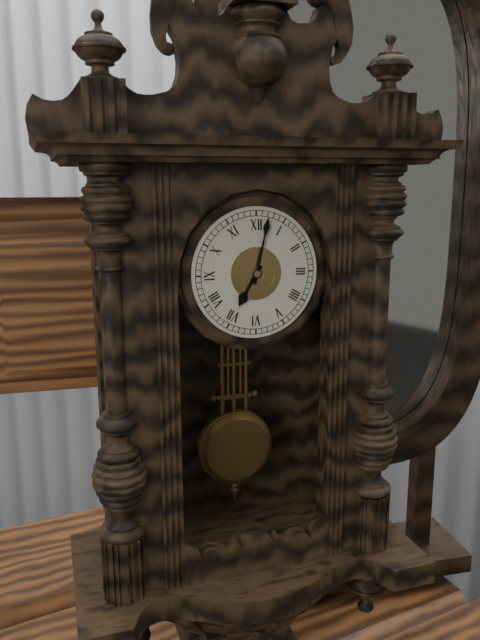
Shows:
7,02
